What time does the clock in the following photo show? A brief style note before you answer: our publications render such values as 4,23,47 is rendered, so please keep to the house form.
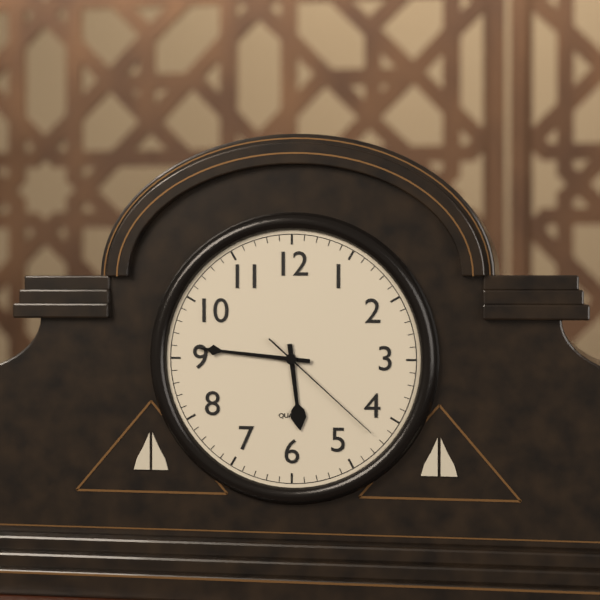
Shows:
5,46,22
